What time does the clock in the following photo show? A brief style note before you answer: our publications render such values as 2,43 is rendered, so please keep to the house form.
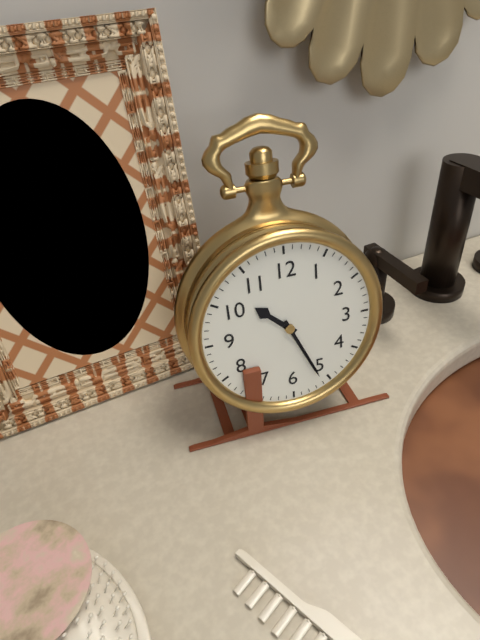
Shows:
10,26
